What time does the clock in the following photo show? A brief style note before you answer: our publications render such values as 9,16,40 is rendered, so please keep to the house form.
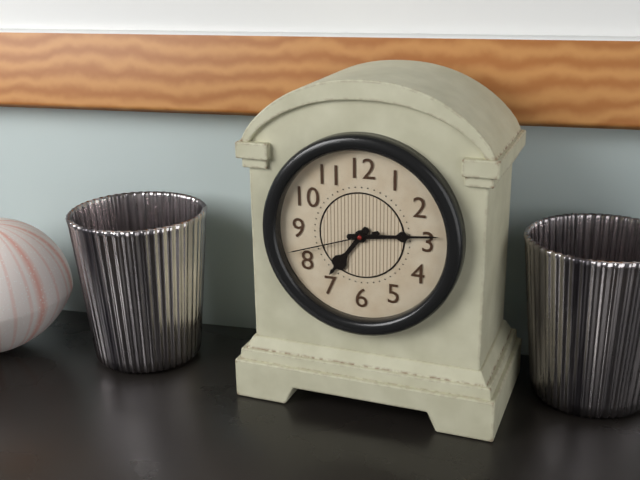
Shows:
7,14,42
